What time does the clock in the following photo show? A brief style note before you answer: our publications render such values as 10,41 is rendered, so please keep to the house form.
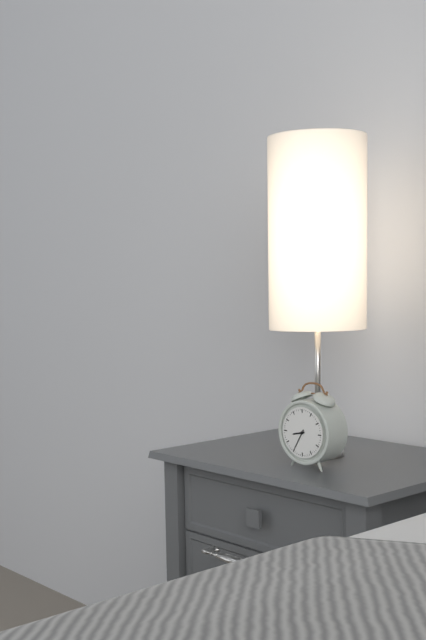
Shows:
8,35
